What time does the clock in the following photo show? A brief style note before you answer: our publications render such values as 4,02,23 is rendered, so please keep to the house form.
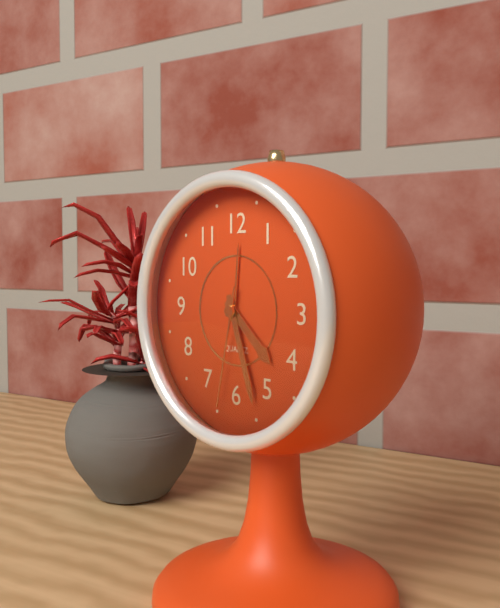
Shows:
4,27,32
